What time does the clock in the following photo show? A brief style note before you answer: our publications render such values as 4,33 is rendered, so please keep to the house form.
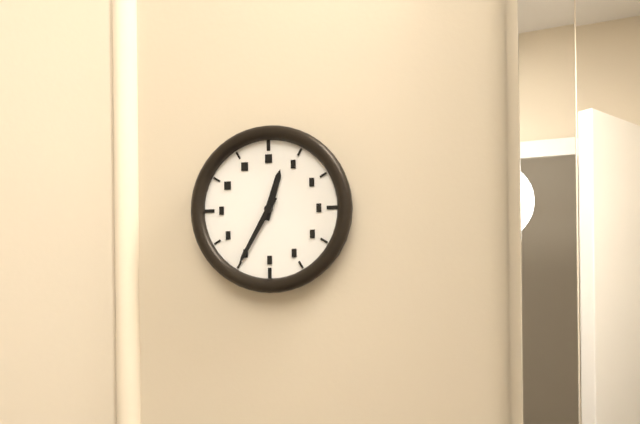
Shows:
12,35
